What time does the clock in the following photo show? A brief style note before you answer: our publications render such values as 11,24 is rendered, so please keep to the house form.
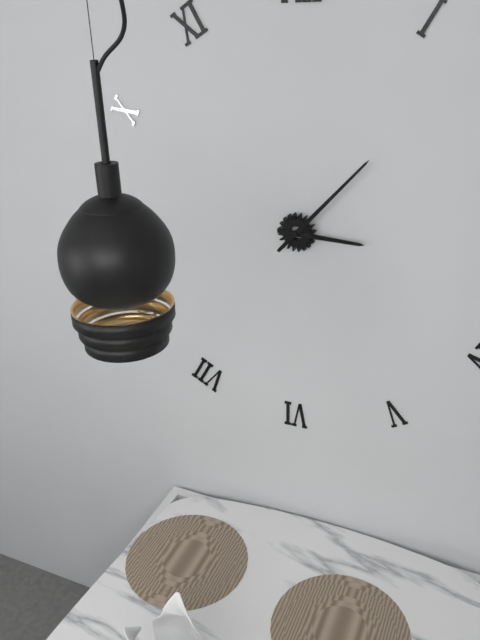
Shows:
3,07
